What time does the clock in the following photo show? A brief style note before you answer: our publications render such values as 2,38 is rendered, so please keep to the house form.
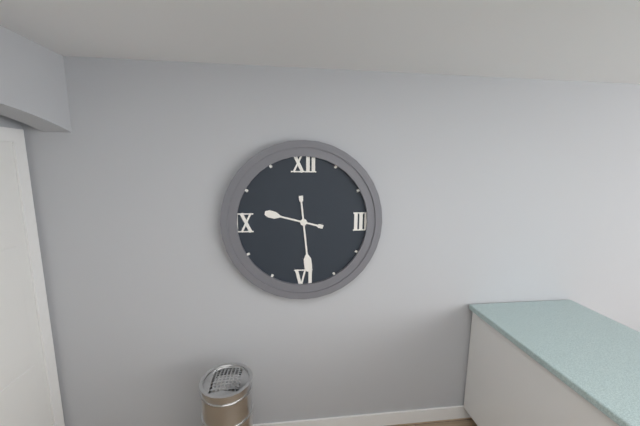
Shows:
9,29
